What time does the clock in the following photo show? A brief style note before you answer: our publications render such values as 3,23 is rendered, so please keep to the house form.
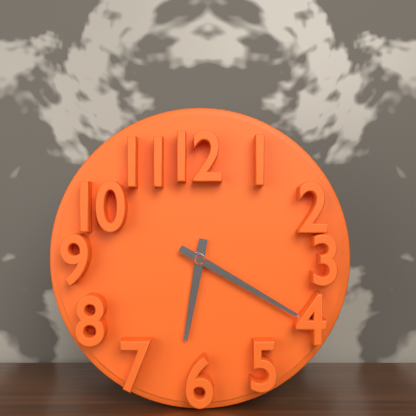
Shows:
6,20
